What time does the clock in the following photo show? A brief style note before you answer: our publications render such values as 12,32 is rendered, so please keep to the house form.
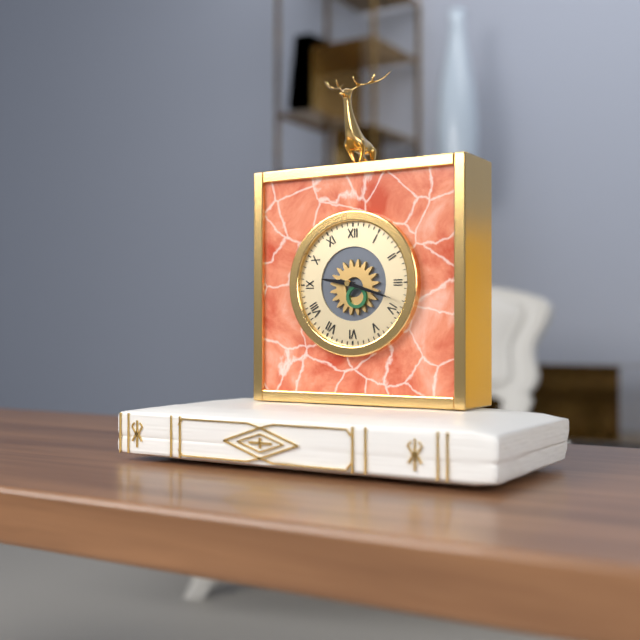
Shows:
9,18
